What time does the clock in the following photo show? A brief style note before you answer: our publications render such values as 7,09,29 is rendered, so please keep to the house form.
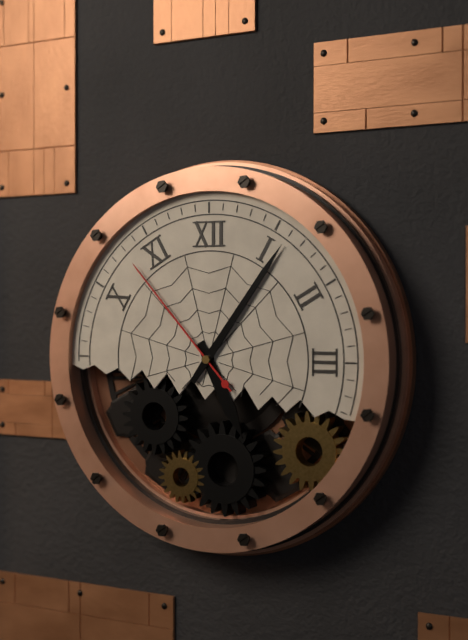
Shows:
5,06,53
